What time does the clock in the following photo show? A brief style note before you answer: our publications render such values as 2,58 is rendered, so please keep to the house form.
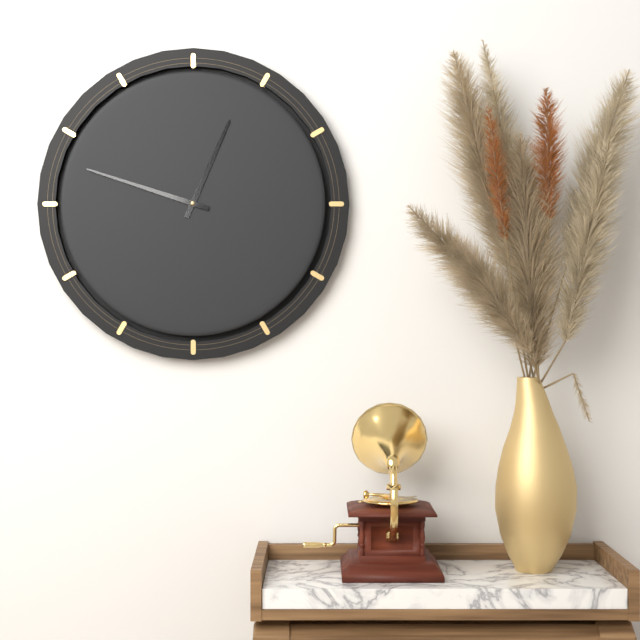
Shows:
12,48
